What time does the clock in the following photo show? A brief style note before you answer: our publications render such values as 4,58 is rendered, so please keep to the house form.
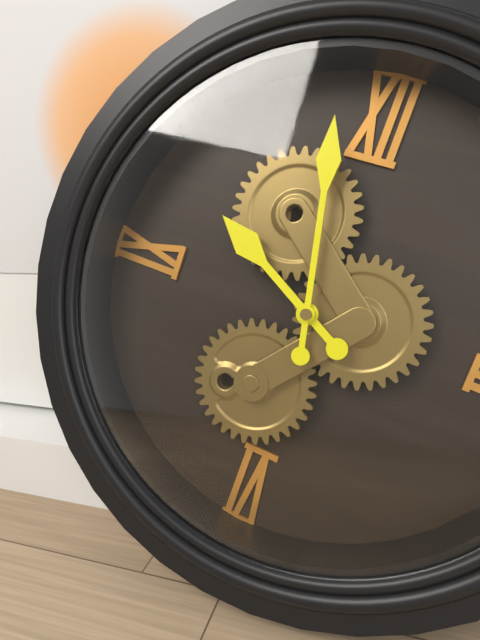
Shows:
9,58
